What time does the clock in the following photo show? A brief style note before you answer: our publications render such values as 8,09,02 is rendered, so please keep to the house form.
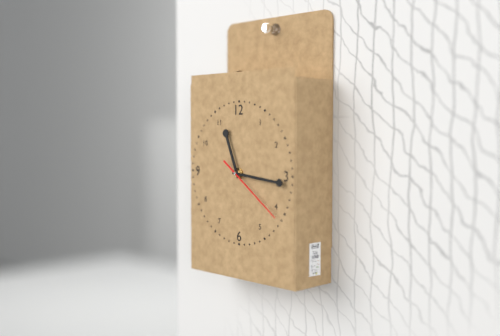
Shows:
11,16,21
